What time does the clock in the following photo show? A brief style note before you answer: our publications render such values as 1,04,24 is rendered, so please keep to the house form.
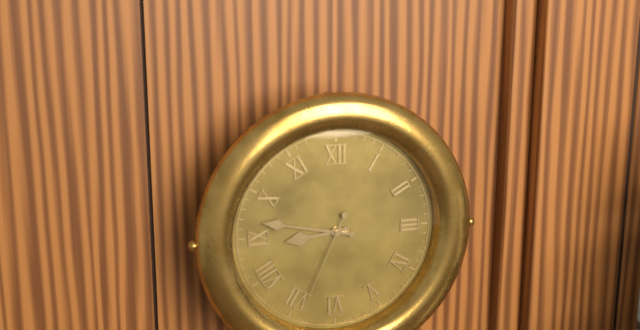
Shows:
8,47,34
